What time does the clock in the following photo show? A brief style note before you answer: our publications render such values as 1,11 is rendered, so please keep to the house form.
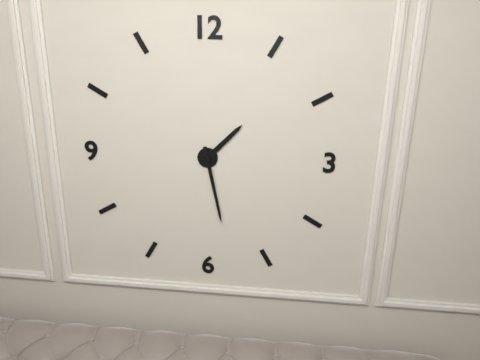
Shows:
1,28
